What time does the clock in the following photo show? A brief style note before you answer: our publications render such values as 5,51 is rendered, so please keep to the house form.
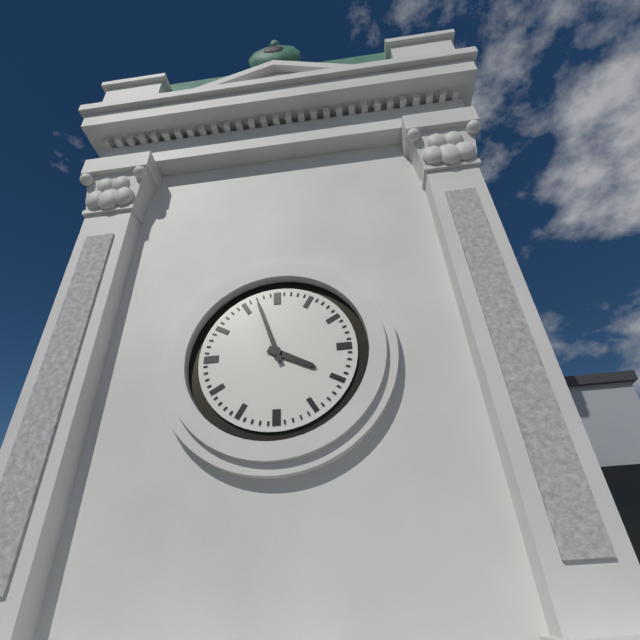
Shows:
3,57
